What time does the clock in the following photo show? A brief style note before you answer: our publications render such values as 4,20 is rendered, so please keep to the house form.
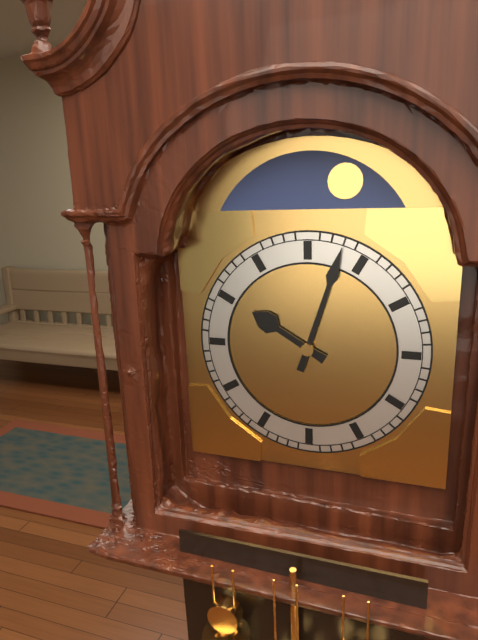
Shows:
10,03
